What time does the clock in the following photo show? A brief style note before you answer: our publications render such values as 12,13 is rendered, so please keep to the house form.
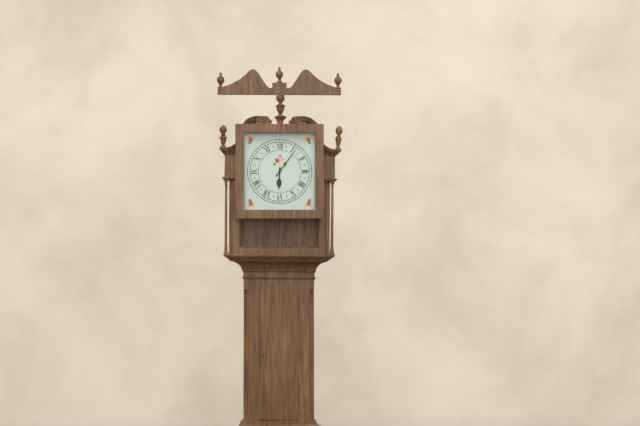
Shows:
6,06
